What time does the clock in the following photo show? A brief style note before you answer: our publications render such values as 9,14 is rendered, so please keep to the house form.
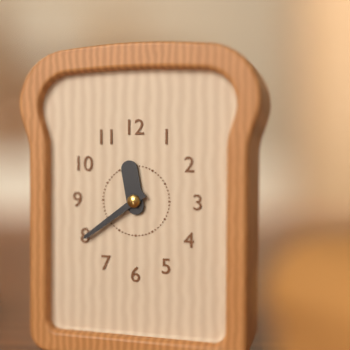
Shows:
11,39
